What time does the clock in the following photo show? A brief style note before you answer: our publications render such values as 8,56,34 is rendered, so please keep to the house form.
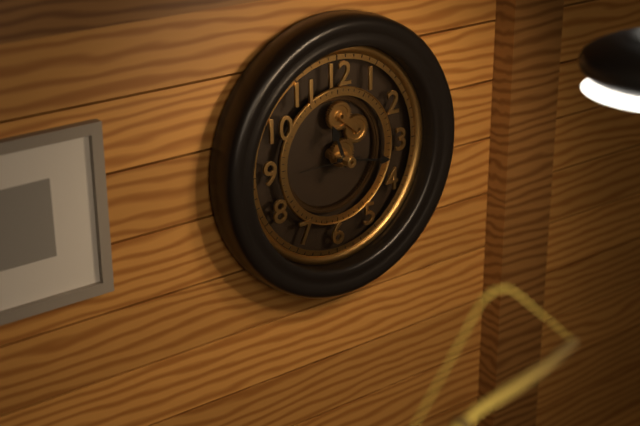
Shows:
11,17,45
